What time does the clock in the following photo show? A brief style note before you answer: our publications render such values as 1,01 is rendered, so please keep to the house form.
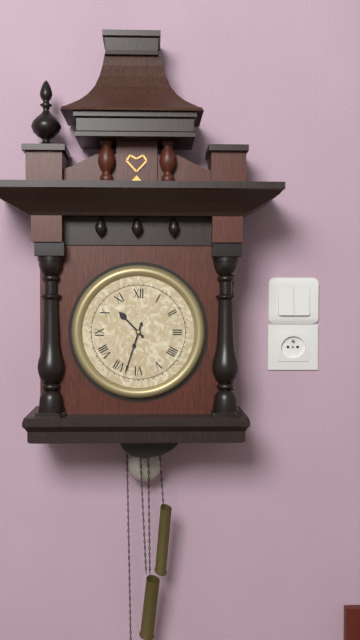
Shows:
10,33
